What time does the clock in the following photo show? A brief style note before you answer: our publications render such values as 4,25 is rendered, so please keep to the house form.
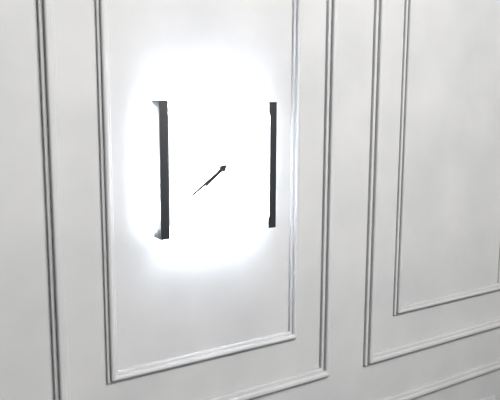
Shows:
7,39
